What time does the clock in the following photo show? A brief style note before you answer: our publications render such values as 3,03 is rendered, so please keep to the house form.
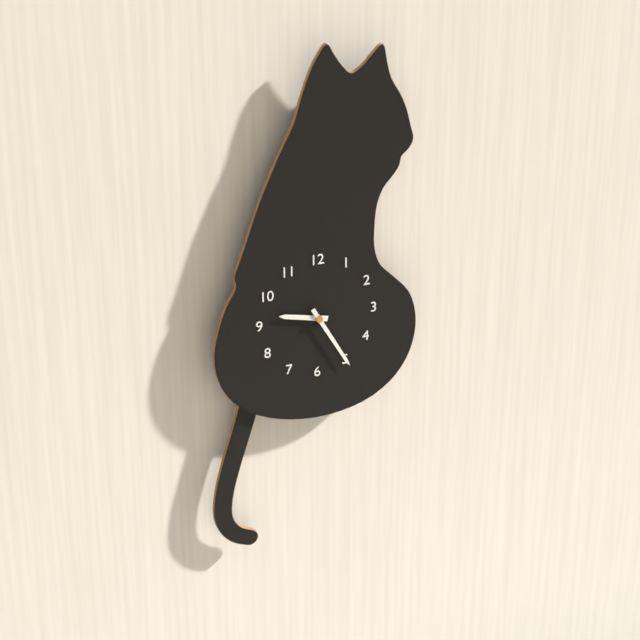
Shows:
9,25
